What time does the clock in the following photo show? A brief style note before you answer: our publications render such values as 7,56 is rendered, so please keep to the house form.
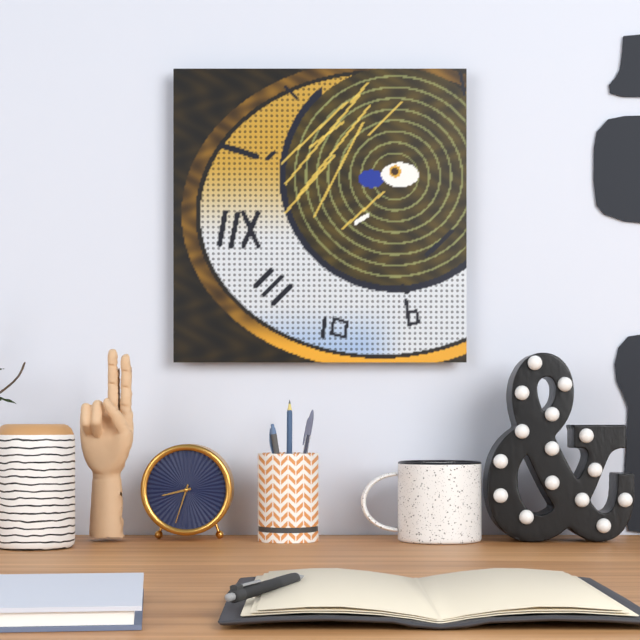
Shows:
8,33
